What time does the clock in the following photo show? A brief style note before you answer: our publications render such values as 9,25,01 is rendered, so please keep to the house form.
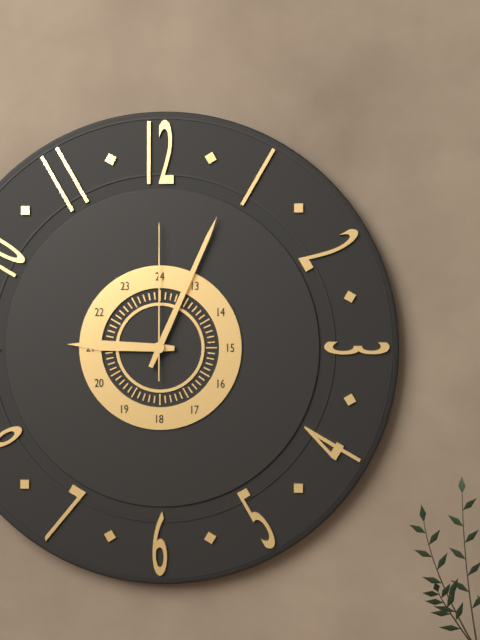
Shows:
9,04,00
